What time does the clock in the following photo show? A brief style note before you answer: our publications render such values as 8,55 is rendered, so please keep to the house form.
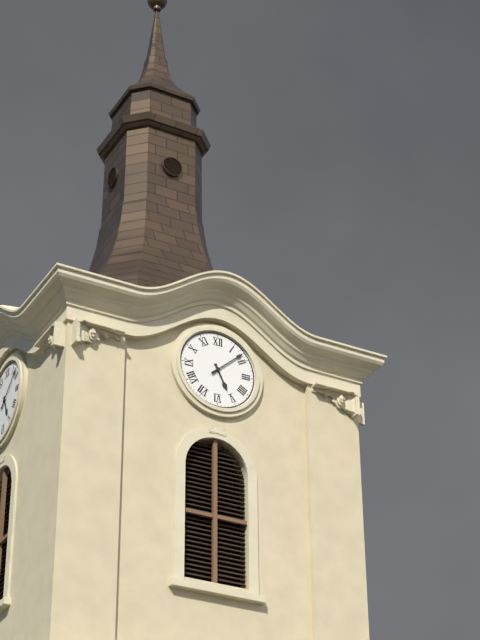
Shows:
5,08
